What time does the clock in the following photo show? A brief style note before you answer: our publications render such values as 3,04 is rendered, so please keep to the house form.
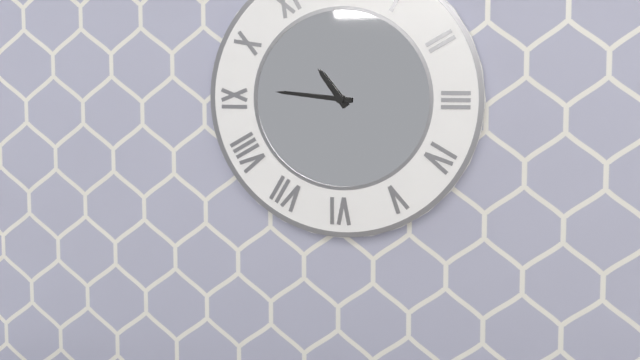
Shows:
10,46
